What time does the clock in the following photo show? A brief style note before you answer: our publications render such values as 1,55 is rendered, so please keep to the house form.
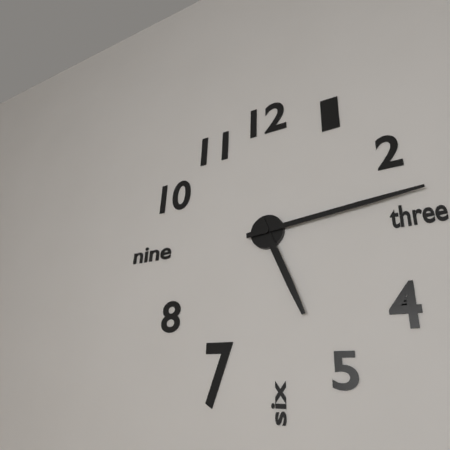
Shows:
5,14
